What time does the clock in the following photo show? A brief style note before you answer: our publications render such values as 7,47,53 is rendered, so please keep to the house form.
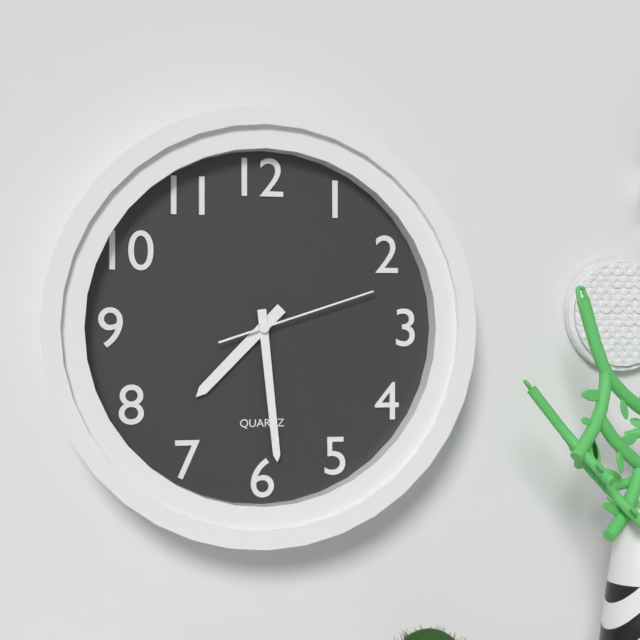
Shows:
7,29,12
